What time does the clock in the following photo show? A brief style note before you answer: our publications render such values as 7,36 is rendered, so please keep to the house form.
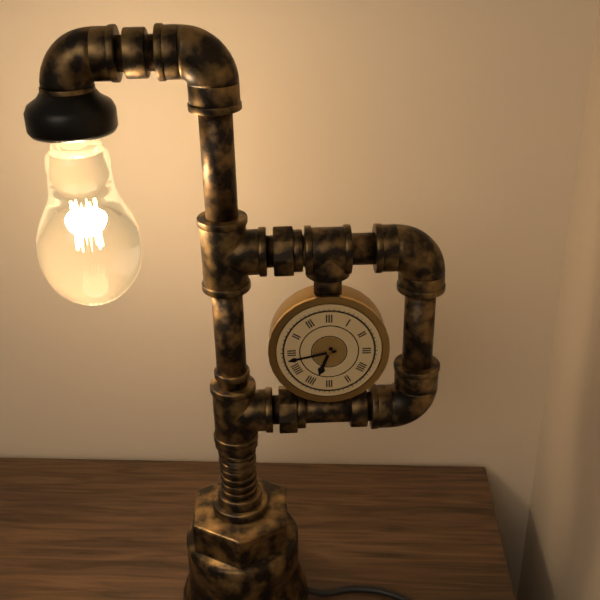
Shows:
6,43
